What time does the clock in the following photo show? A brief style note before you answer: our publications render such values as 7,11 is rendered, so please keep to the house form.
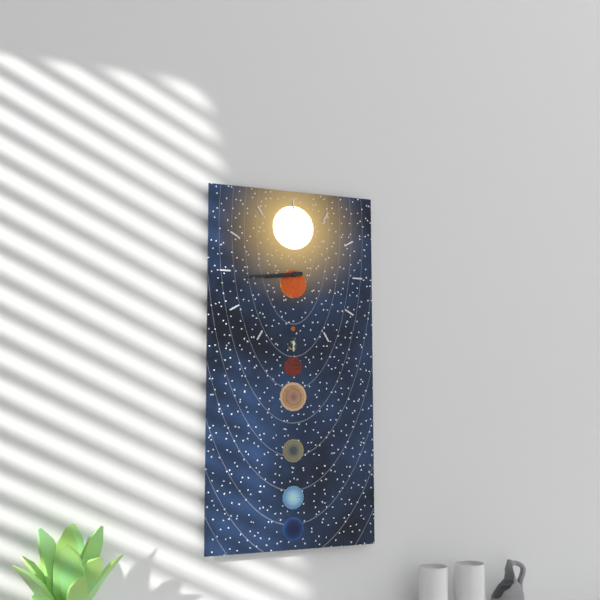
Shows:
8,44
